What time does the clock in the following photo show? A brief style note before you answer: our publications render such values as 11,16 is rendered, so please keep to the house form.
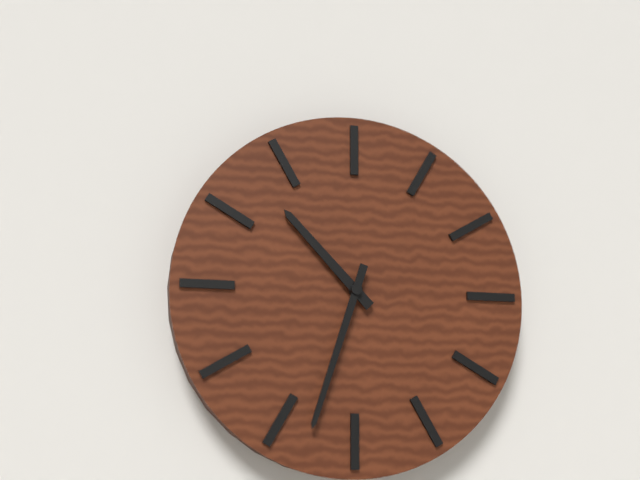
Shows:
10,33
